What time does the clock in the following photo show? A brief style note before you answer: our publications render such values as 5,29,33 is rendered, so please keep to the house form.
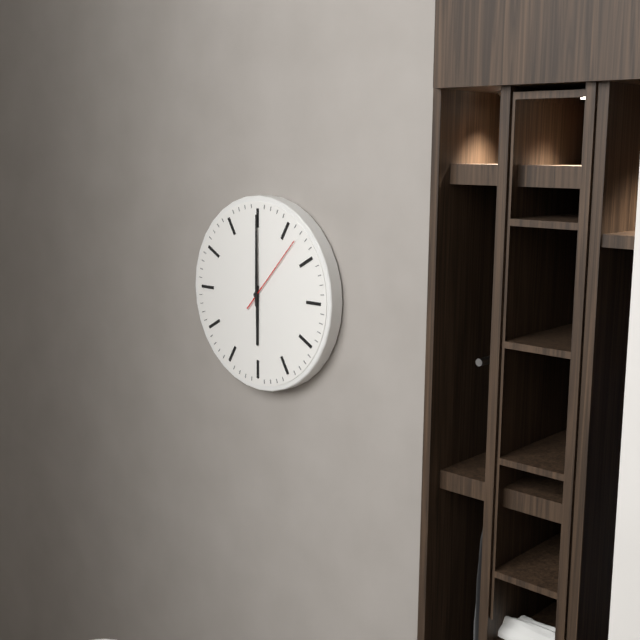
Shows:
6,00,07
